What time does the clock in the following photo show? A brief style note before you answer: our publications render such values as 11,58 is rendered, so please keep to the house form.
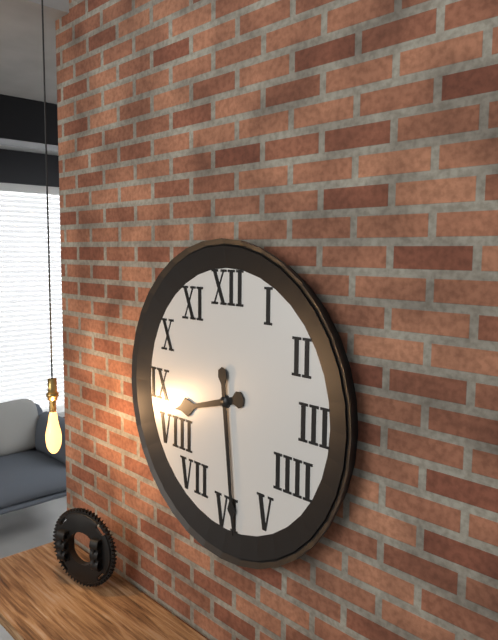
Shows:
8,29
